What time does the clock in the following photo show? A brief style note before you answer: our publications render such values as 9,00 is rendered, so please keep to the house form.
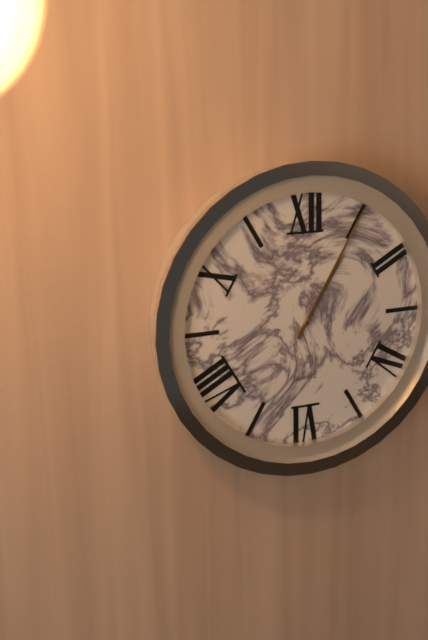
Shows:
1,05
